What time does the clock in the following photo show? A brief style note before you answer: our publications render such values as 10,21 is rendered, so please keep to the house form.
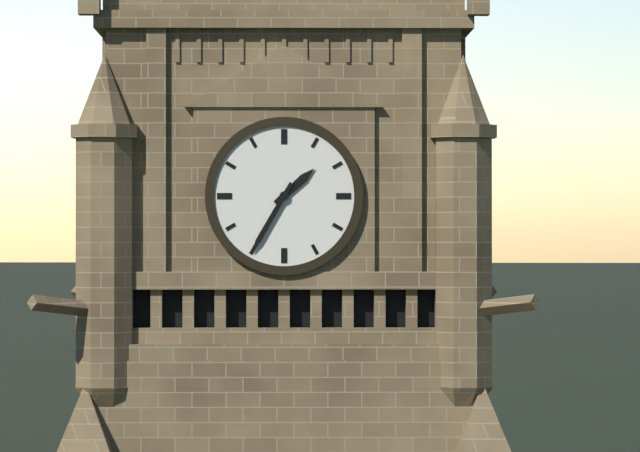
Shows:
1,35
